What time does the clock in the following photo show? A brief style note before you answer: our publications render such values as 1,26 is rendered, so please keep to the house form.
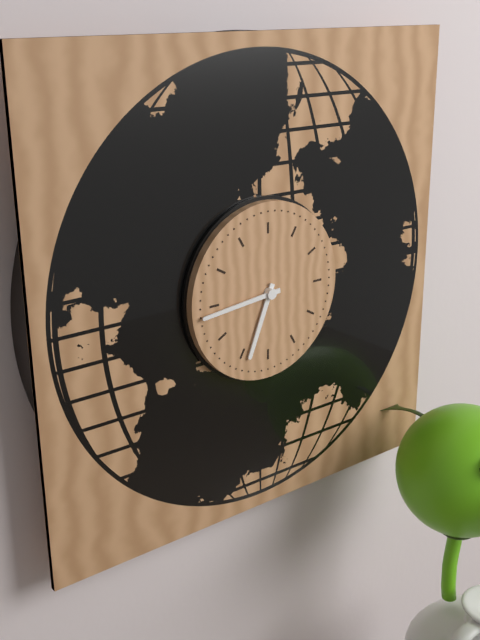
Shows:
6,44
